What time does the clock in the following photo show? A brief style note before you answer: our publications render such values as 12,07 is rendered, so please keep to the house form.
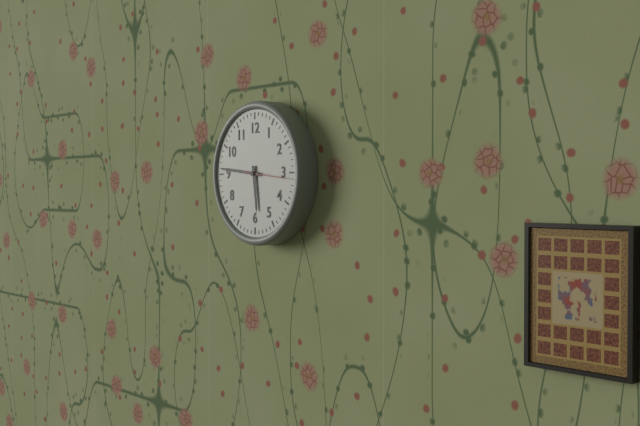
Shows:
5,46
